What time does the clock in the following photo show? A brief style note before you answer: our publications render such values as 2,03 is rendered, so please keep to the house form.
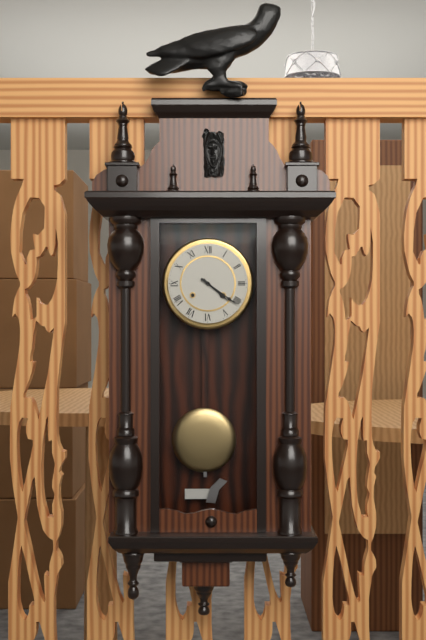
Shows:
4,21
